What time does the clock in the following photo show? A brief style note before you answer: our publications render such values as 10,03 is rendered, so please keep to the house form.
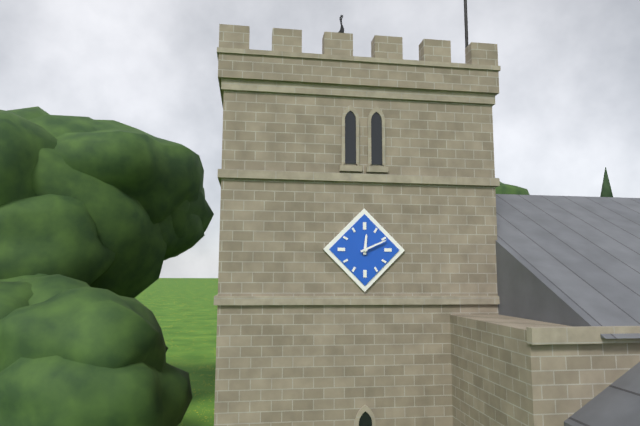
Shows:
12,11
